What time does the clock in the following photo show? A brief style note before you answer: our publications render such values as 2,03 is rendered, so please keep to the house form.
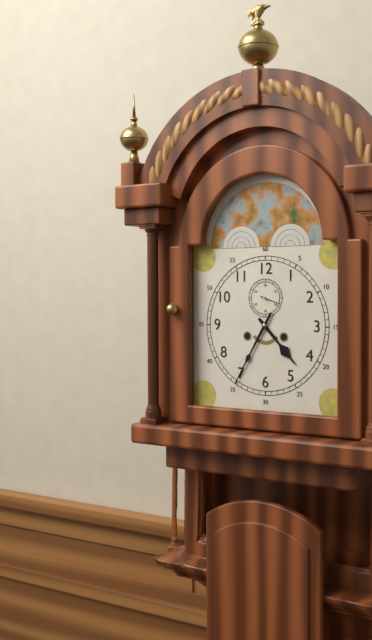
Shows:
4,35
